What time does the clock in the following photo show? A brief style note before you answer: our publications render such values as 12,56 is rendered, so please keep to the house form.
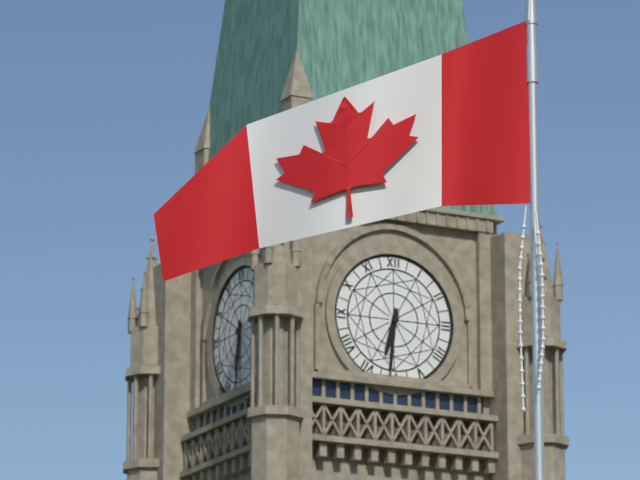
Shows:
6,31
